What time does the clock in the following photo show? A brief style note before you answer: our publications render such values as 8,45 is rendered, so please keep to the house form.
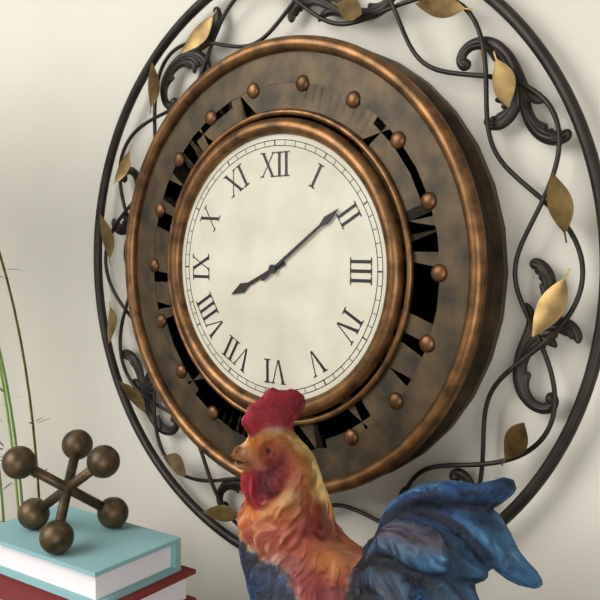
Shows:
8,09
